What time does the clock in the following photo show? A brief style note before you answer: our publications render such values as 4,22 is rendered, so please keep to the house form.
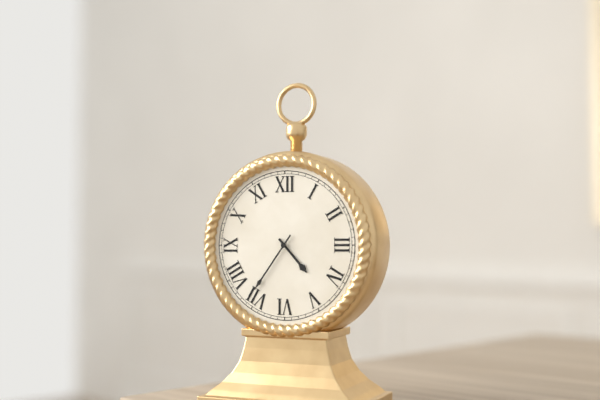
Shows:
4,36
